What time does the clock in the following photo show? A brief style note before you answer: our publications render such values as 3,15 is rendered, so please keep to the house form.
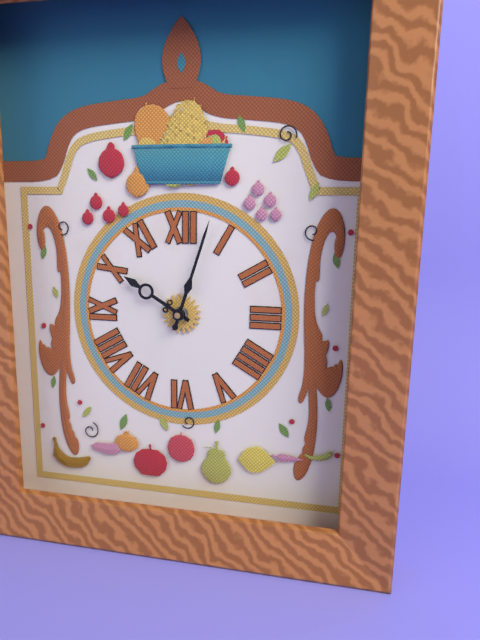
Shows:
10,03
